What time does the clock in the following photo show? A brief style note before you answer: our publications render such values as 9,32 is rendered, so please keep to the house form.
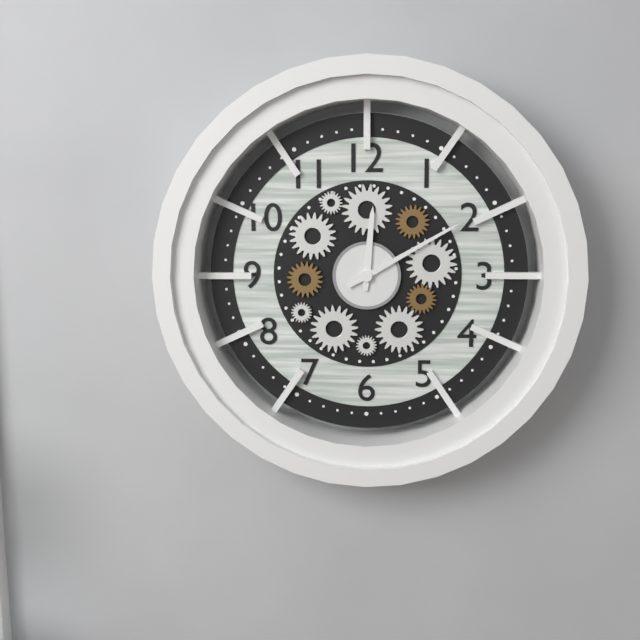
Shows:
12,10
